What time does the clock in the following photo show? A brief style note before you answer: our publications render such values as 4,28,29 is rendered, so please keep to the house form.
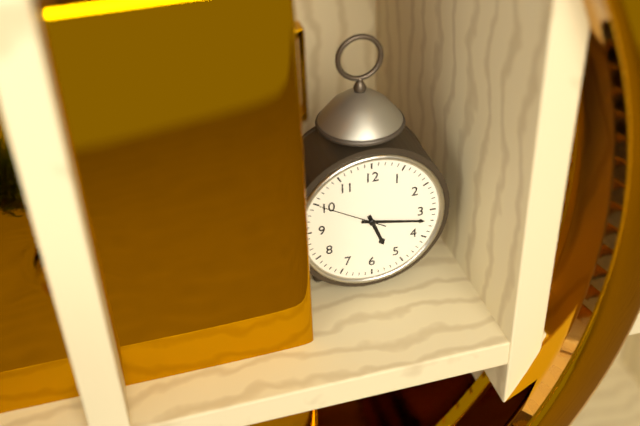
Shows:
5,17,50
